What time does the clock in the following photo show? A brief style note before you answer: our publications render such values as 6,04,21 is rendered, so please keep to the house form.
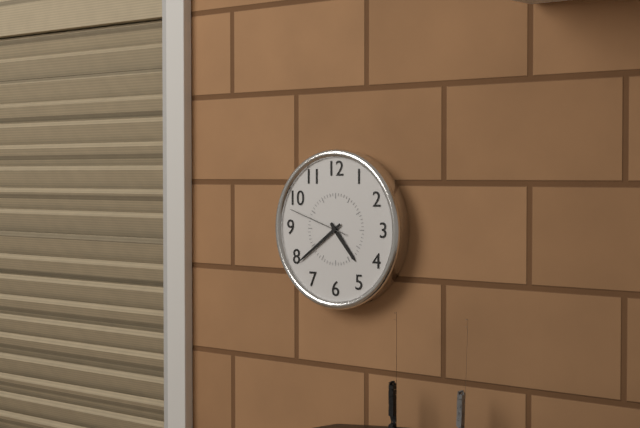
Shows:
4,39,48
